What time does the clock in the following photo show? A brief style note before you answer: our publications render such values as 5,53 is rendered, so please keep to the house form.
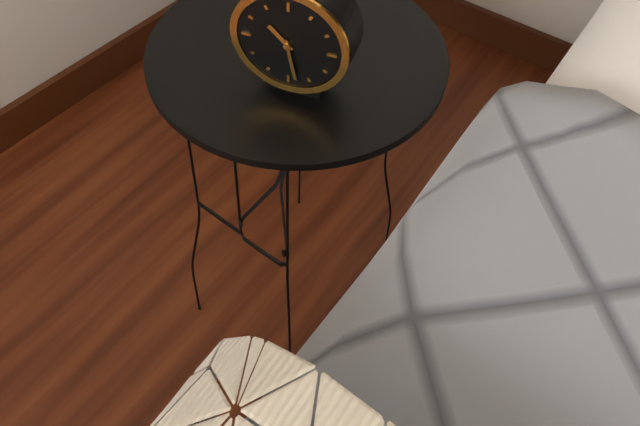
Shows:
10,28
